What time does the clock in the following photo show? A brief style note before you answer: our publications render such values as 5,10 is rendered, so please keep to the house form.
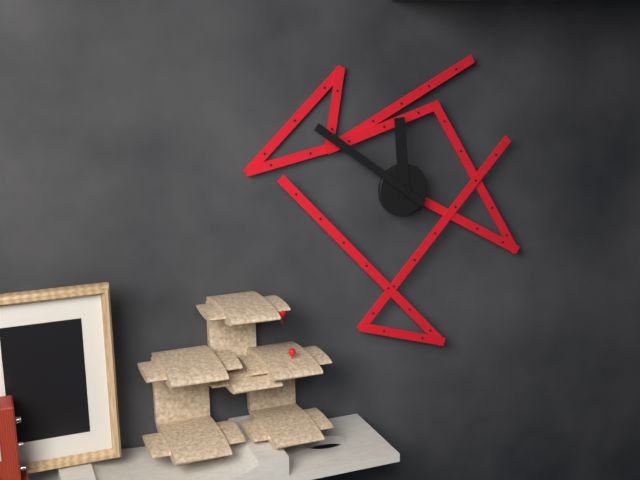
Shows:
11,51
